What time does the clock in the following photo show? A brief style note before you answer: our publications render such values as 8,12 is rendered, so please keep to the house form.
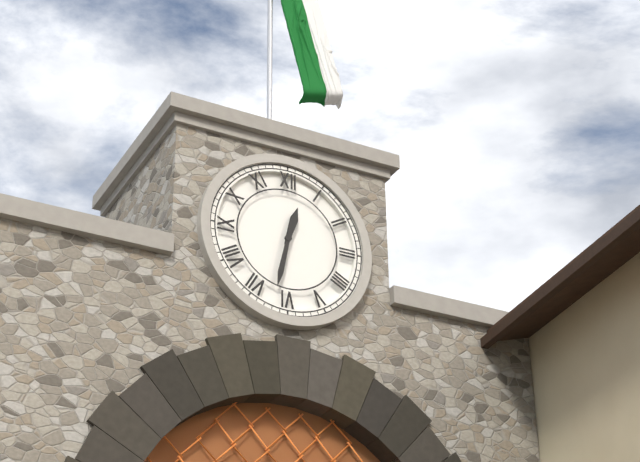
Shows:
12,32
